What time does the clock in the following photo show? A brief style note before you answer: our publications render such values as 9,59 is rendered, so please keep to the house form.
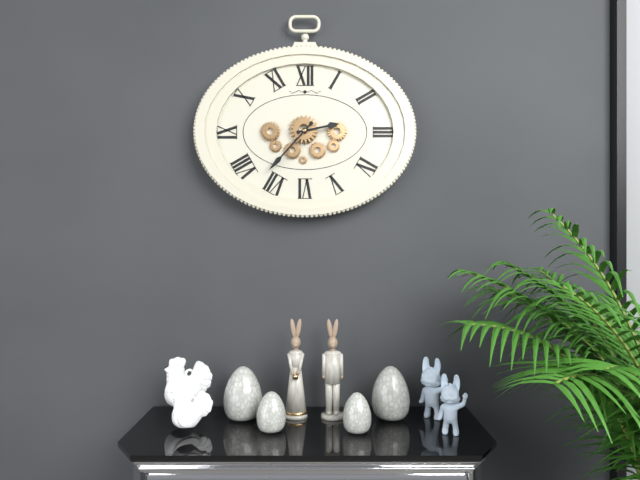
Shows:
2,37
